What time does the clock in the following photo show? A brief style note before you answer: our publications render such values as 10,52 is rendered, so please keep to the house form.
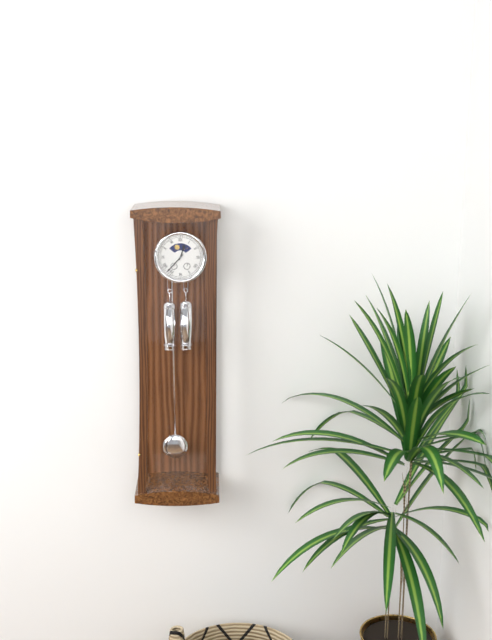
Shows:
12,37
